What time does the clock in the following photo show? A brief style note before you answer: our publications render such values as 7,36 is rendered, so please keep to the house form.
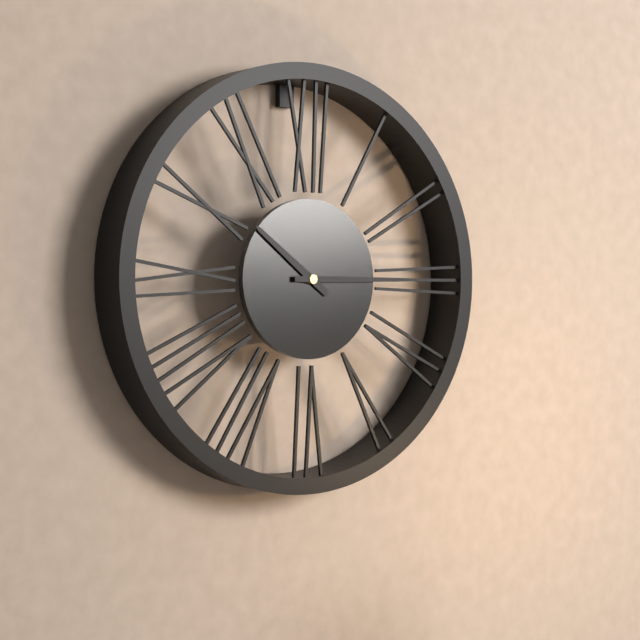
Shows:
10,15
